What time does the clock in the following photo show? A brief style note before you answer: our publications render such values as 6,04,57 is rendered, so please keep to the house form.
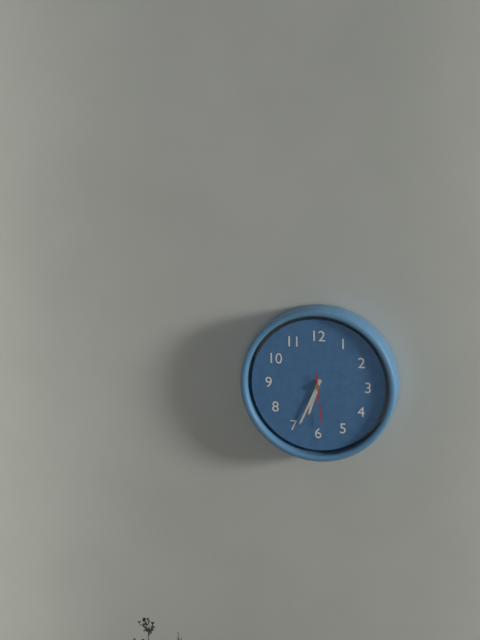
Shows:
6,34,29
